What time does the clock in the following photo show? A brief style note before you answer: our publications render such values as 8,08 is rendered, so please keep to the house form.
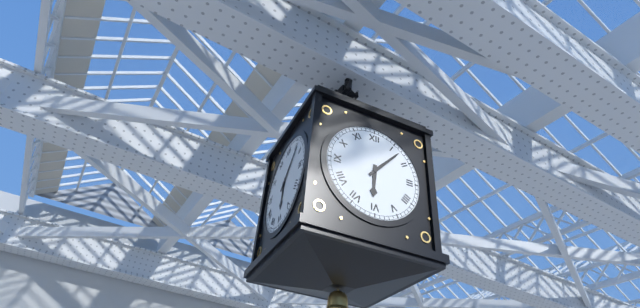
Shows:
6,07
